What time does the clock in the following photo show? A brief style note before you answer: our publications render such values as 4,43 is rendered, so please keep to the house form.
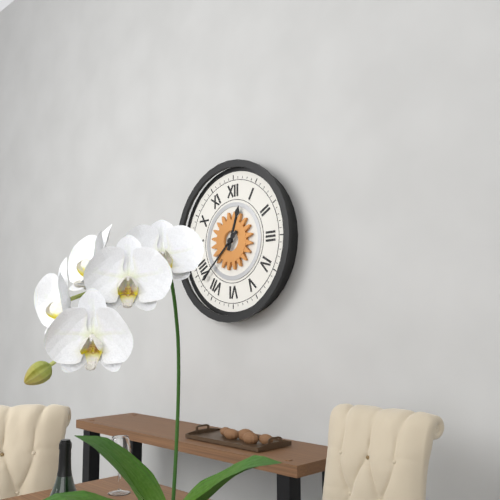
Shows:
12,38
